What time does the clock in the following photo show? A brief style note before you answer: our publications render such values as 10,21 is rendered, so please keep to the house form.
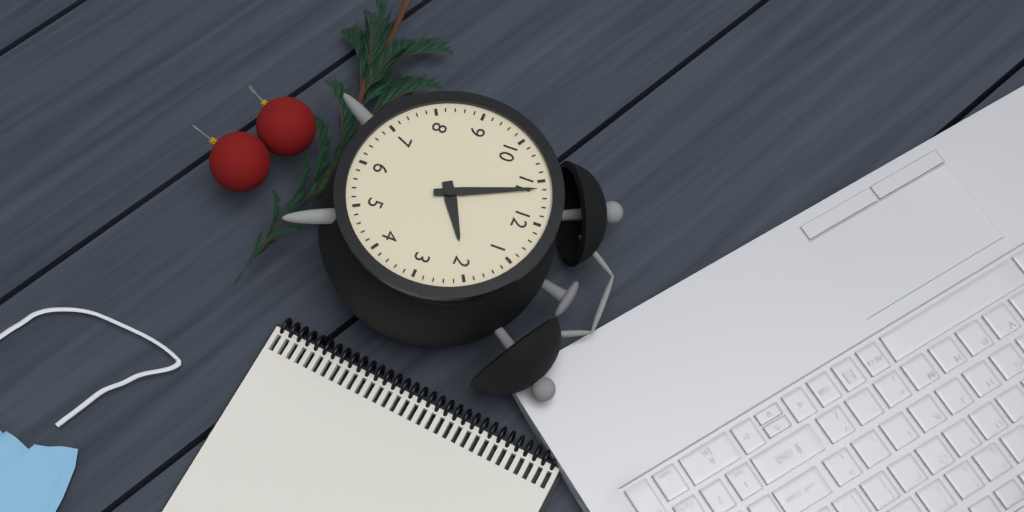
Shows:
1,56
